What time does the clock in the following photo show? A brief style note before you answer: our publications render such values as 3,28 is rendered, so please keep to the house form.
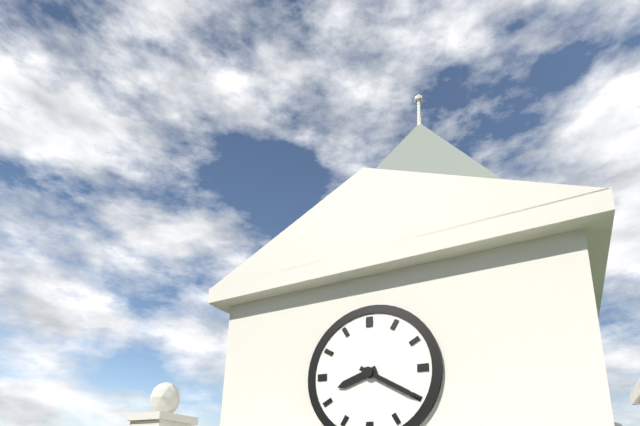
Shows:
8,20
